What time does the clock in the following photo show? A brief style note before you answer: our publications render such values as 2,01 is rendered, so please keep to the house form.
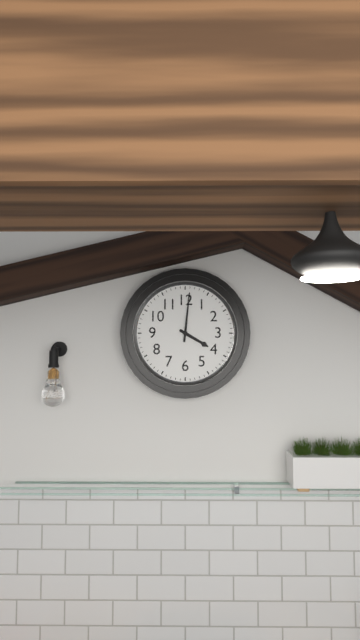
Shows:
4,01
